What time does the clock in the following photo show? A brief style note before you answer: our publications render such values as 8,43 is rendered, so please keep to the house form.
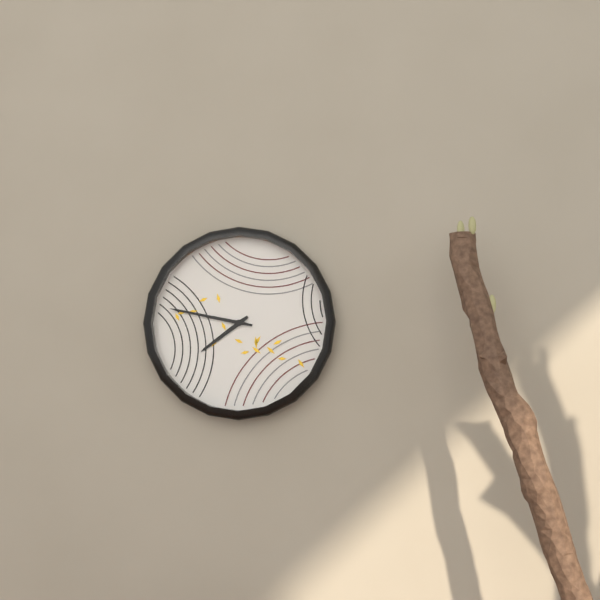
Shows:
7,47
